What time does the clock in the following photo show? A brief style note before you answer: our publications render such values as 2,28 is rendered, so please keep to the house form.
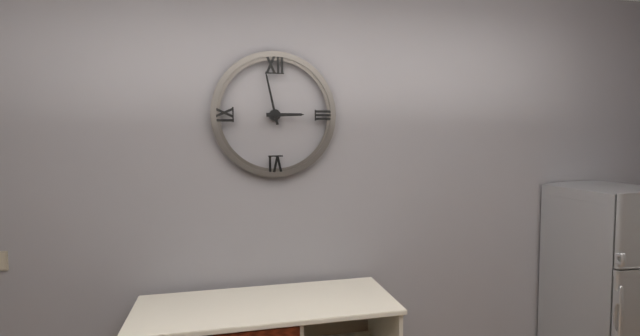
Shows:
2,58
